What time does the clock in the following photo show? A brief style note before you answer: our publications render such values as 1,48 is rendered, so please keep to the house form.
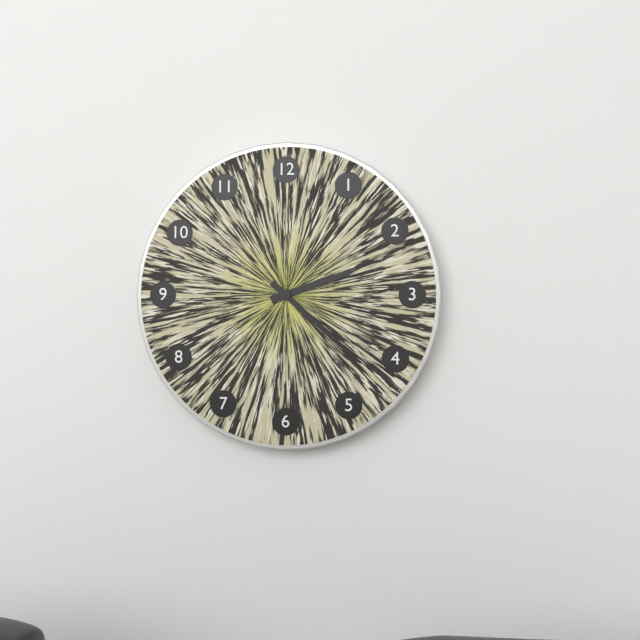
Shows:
2,22
